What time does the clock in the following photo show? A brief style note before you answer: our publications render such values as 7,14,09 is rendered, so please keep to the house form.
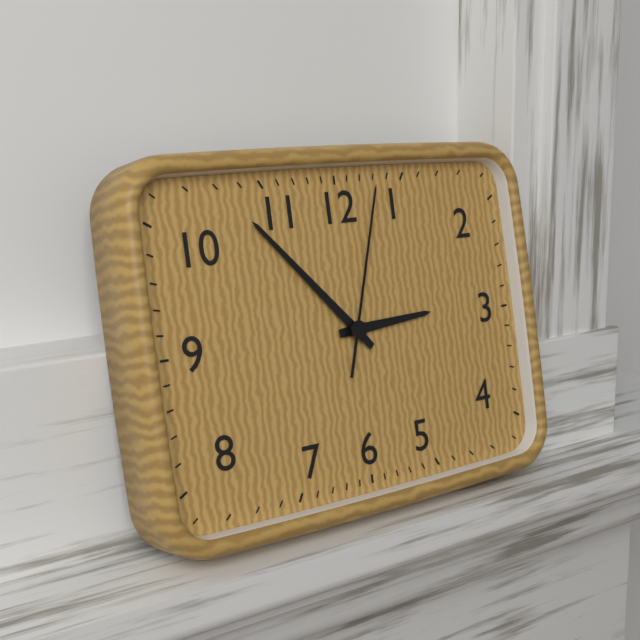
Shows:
2,53,03
